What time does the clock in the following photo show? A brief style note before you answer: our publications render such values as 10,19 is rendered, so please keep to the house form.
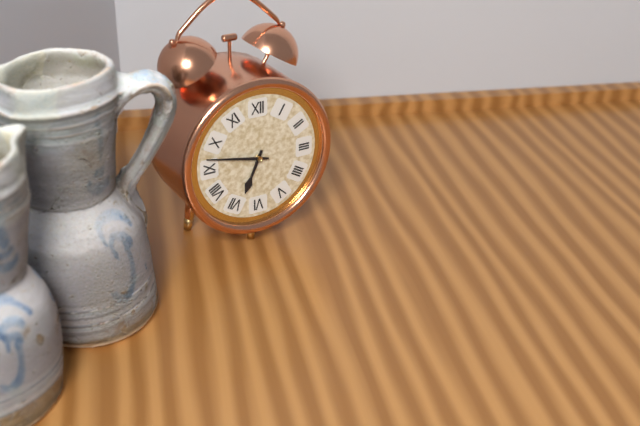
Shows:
6,47
